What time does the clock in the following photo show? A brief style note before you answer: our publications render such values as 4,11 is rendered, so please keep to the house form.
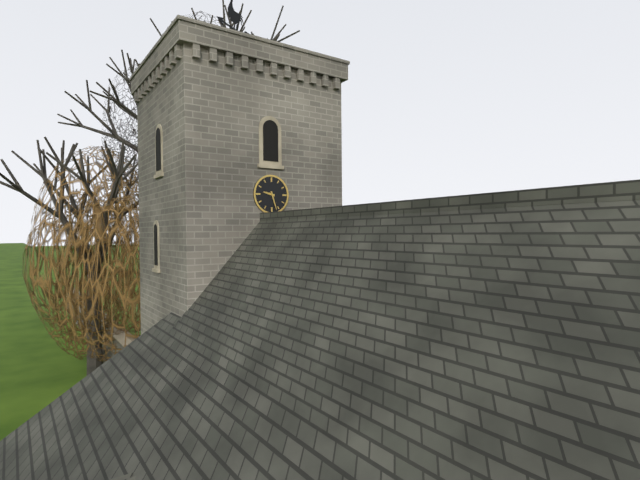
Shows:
9,27
